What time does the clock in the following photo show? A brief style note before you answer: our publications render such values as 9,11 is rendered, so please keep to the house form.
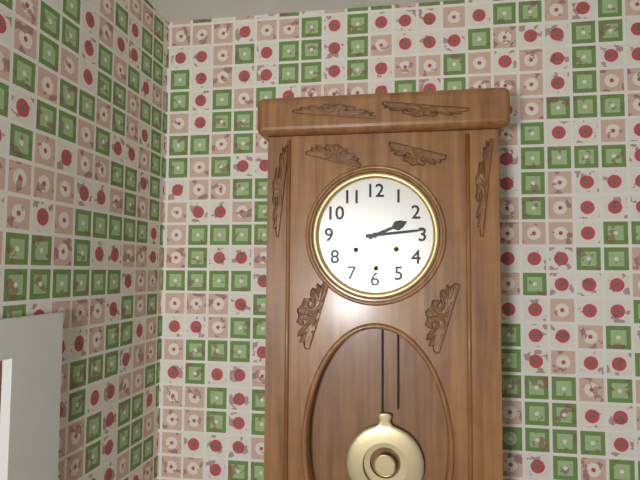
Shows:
2,14
